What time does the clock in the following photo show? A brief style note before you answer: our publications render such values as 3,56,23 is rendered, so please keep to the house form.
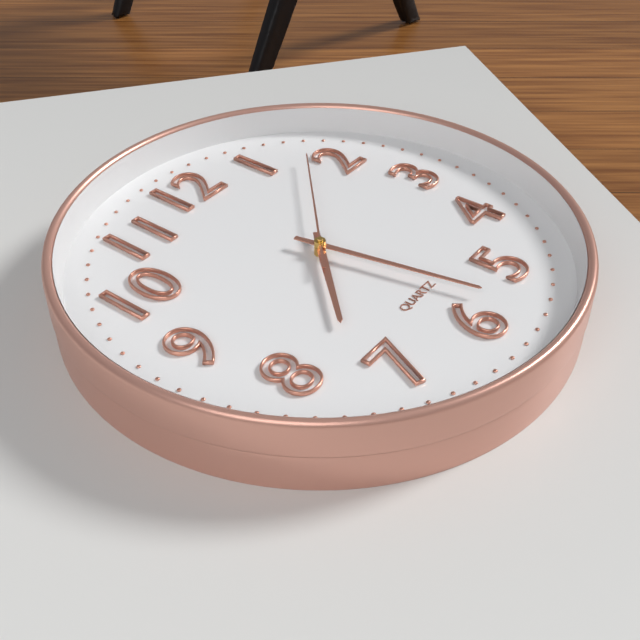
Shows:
7,28,08
